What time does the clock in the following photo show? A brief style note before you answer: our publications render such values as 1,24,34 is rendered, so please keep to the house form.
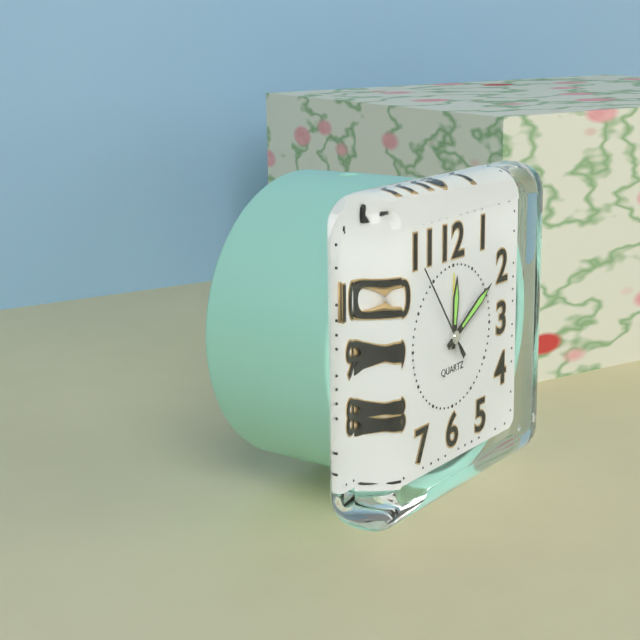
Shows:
12,10,54
